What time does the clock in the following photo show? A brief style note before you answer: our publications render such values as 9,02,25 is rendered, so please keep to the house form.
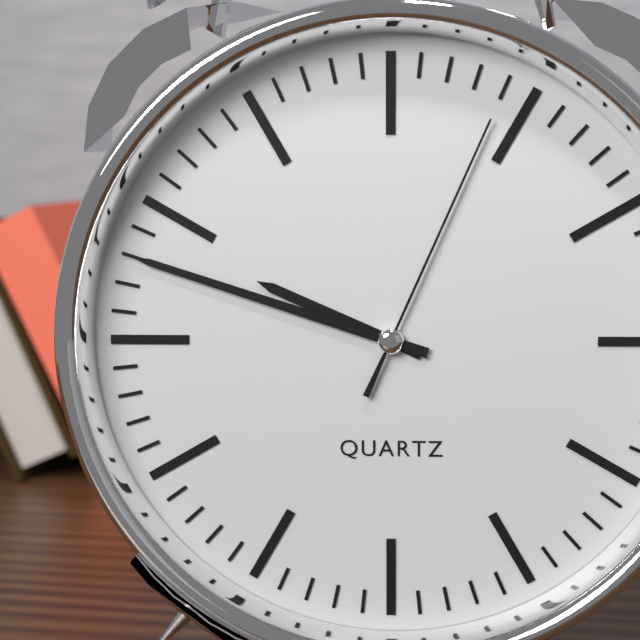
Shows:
9,48,04
